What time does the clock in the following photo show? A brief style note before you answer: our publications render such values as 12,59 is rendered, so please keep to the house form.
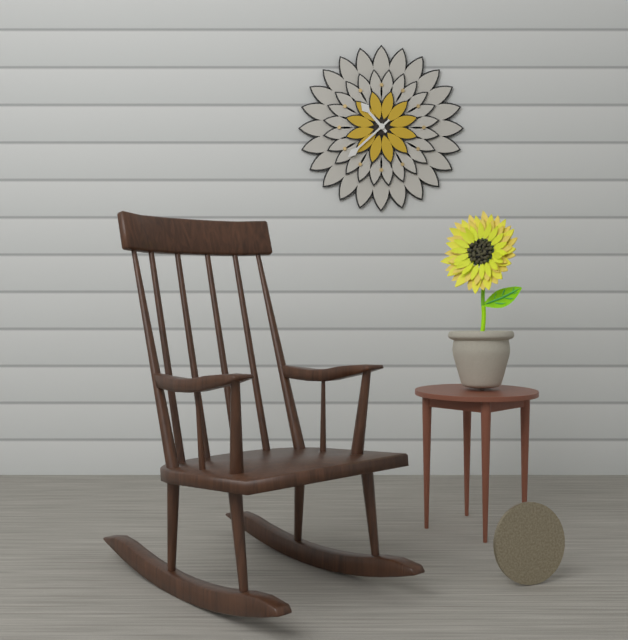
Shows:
10,38
